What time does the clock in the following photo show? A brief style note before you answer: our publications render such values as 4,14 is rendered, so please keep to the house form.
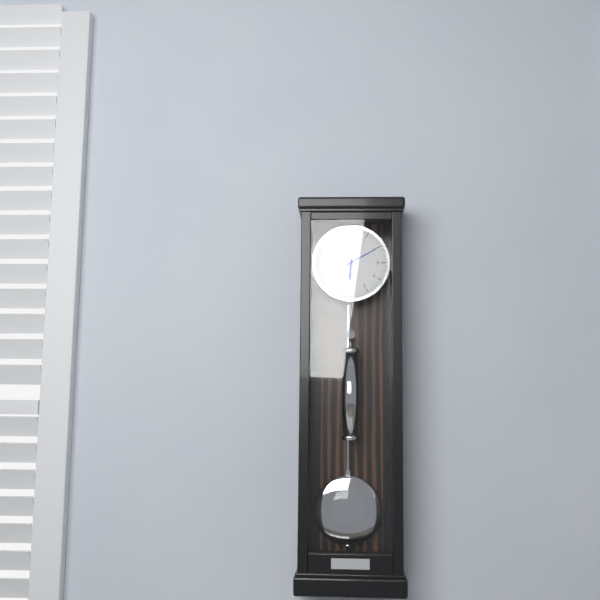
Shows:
6,10
